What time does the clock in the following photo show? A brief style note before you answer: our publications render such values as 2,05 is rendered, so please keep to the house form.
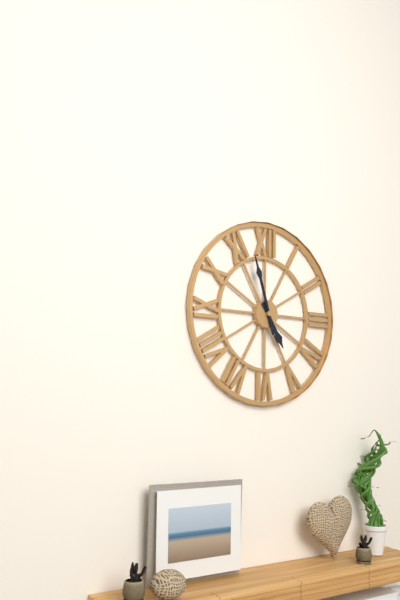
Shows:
4,57
